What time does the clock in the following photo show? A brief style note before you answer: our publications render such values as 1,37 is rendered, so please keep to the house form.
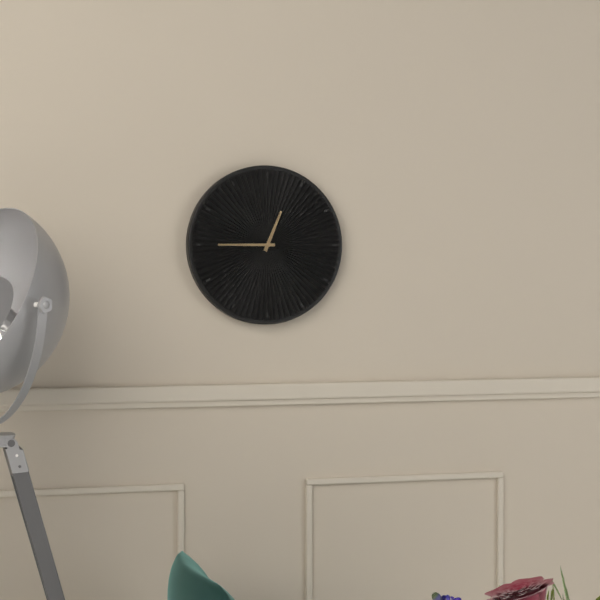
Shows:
12,45
